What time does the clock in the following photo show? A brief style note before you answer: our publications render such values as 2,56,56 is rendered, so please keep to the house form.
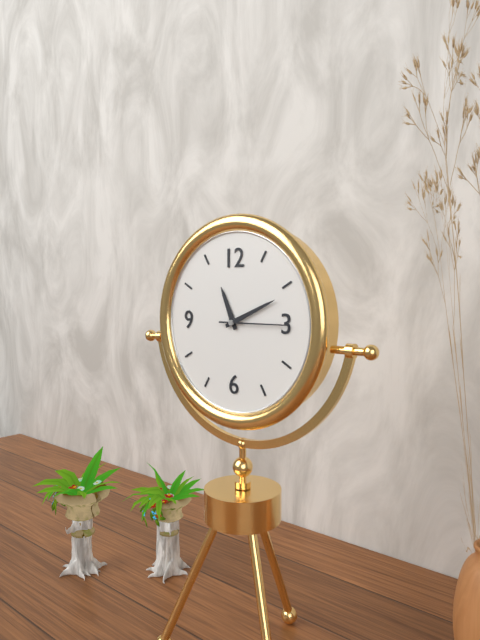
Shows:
11,11,15
